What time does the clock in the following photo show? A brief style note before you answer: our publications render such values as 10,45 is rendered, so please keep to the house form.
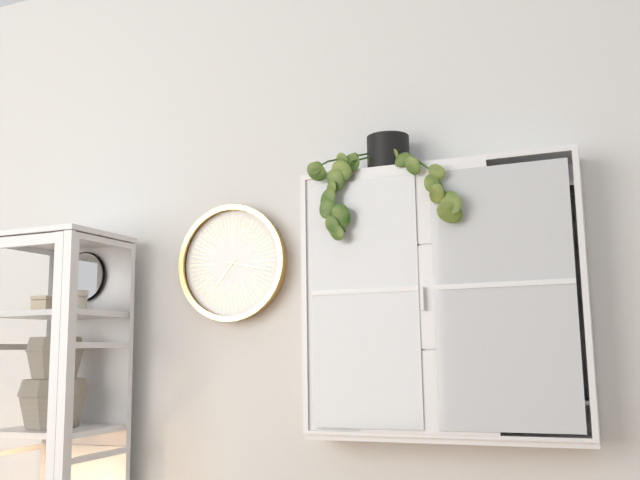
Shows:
7,17
